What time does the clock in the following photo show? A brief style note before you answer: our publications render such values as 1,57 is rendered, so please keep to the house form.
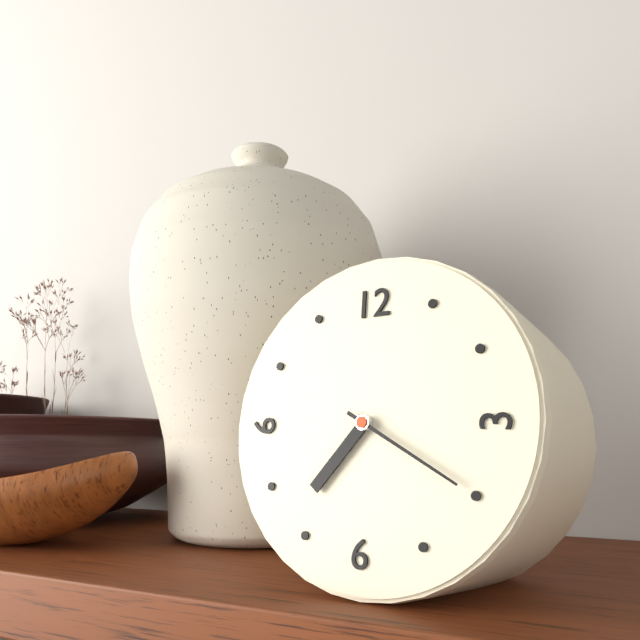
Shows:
7,20
